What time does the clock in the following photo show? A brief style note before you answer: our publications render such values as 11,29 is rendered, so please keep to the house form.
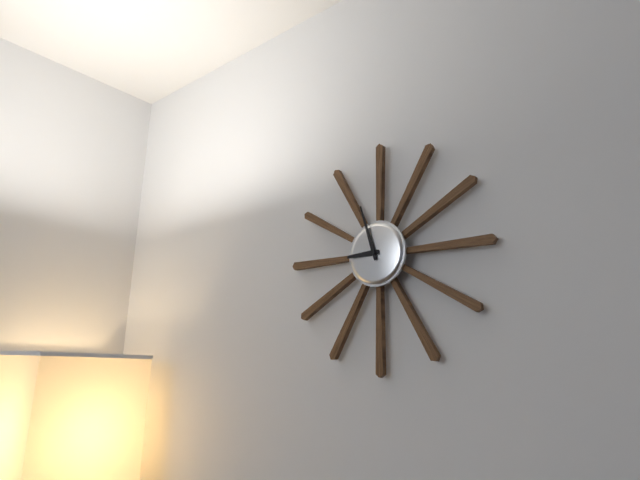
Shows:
8,57
